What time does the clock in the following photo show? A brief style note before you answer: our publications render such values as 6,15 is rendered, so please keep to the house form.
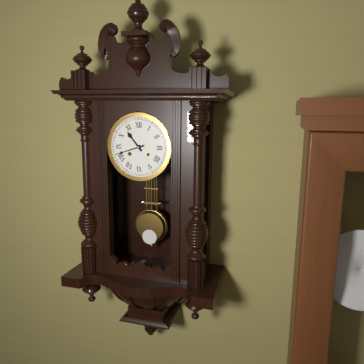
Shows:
10,42
